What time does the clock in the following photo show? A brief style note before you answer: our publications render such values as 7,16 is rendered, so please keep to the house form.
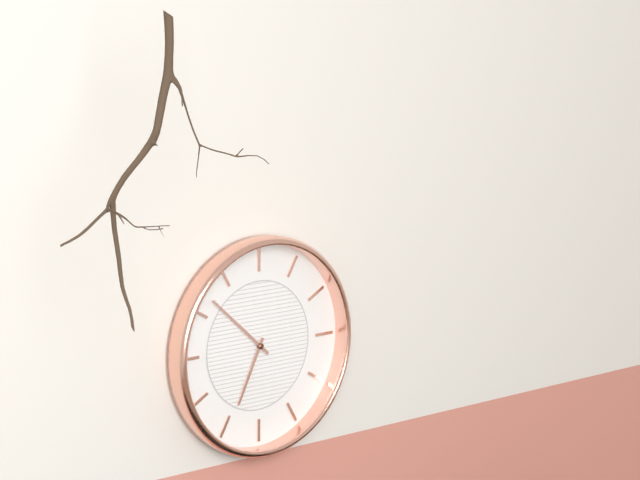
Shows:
6,52
